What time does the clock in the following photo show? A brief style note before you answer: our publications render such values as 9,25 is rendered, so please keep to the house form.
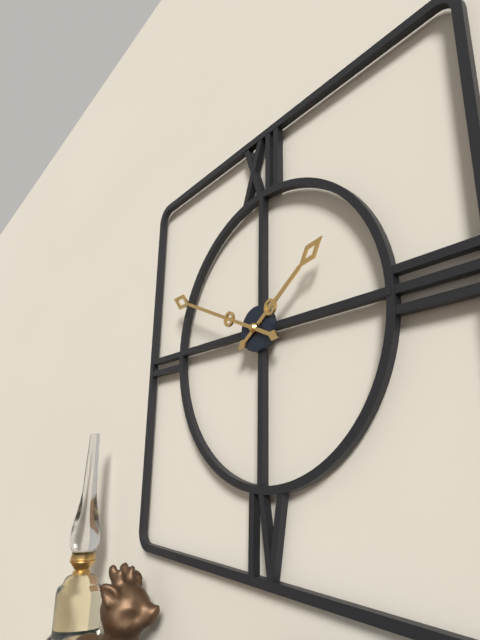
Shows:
1,49
